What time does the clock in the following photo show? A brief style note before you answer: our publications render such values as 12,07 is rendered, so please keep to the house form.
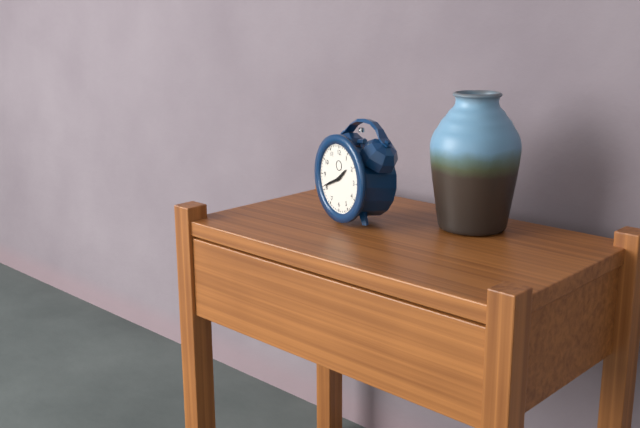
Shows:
1,41
